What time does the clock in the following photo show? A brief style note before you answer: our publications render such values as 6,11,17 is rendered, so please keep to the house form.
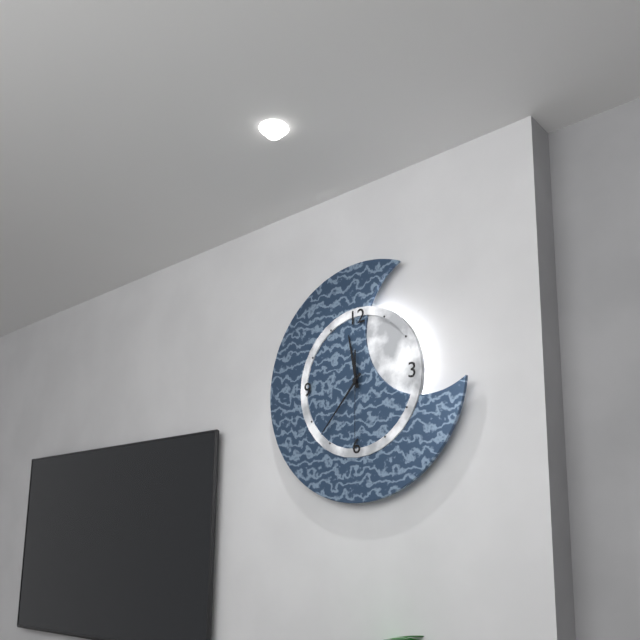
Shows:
11,37,30
